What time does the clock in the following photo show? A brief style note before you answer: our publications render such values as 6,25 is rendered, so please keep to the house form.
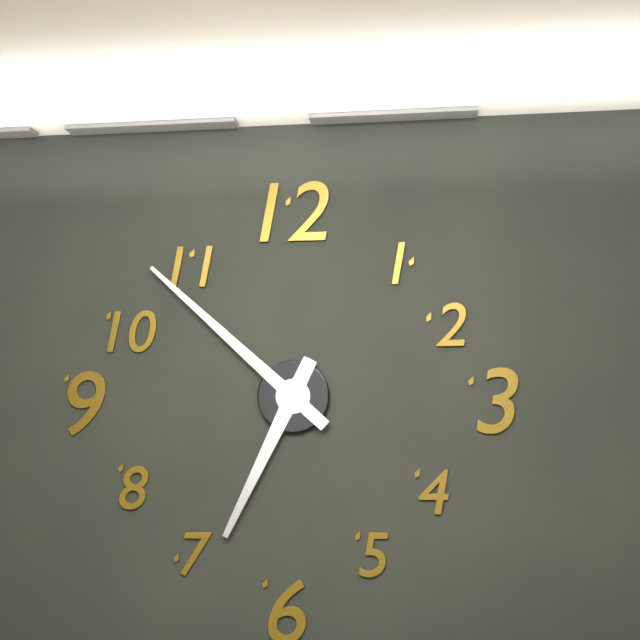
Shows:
6,52
